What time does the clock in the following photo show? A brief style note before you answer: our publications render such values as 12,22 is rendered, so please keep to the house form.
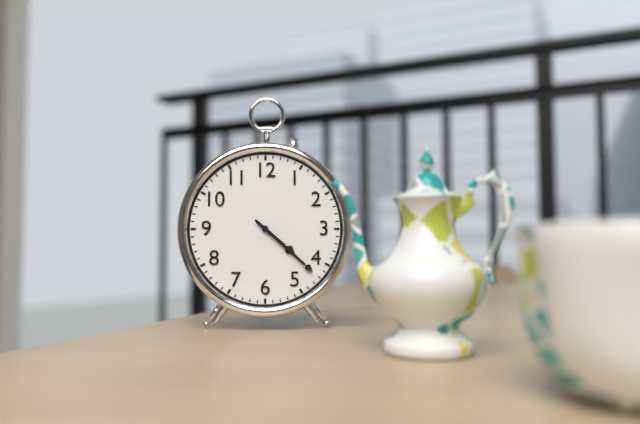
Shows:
4,22
